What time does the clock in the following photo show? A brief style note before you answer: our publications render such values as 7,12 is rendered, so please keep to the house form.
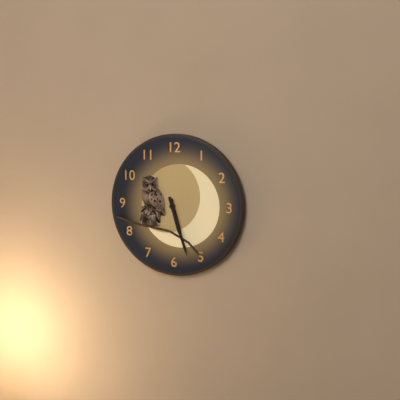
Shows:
5,27
